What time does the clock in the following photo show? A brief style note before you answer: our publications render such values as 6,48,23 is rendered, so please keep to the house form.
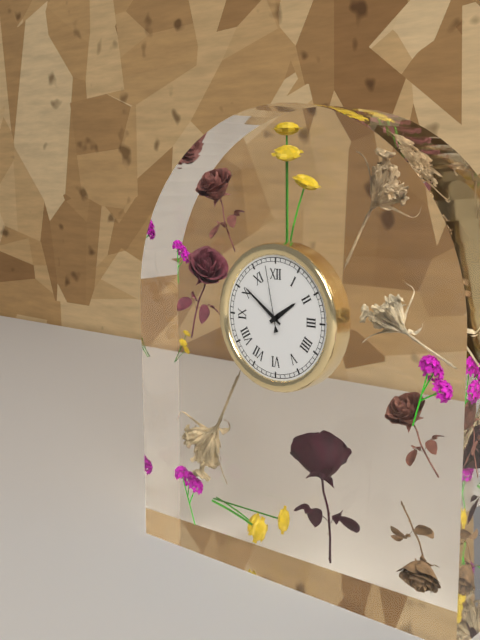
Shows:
1,51,58
